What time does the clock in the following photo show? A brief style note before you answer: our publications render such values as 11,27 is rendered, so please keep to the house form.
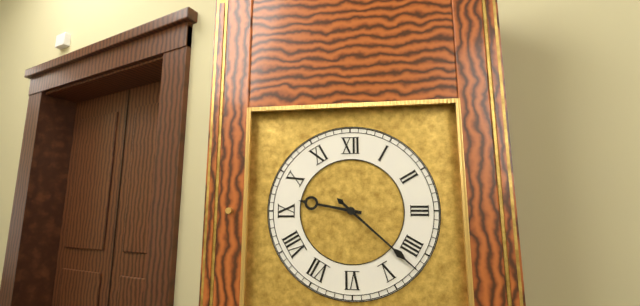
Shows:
9,22
